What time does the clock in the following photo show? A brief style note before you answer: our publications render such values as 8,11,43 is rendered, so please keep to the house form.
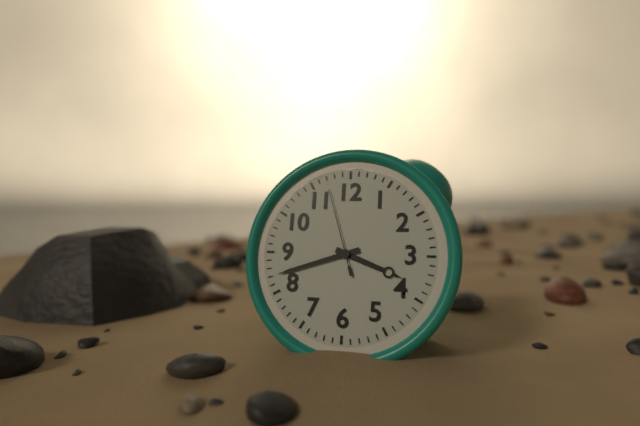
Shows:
3,42,57
